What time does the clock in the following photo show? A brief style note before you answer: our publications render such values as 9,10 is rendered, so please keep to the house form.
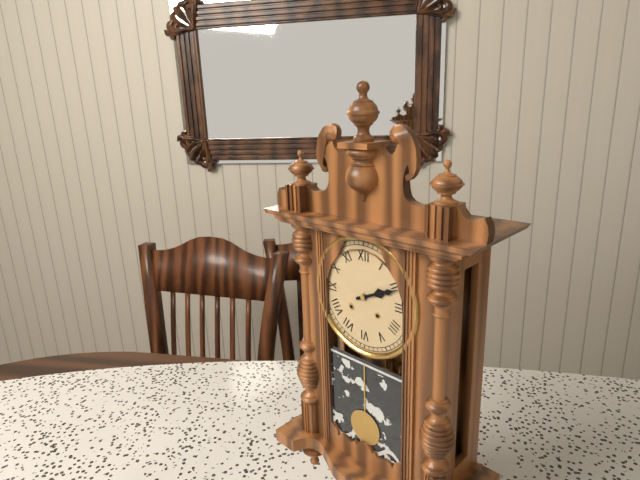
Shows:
2,11
